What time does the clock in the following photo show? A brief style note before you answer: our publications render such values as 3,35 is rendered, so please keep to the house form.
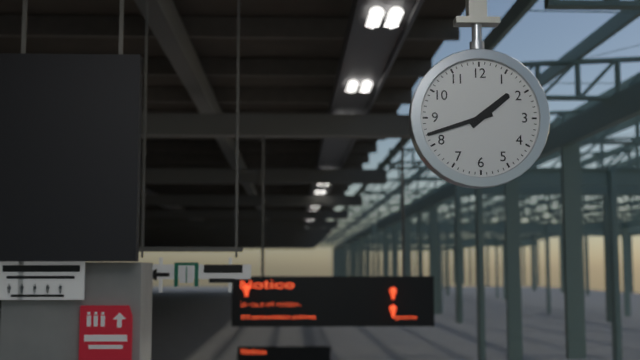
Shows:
1,42
